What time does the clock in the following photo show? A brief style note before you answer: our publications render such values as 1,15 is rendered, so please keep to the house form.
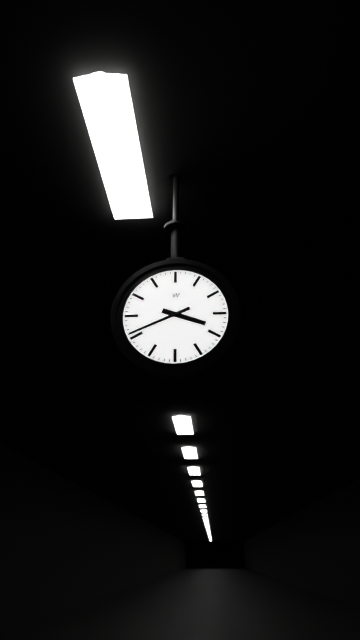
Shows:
3,41
